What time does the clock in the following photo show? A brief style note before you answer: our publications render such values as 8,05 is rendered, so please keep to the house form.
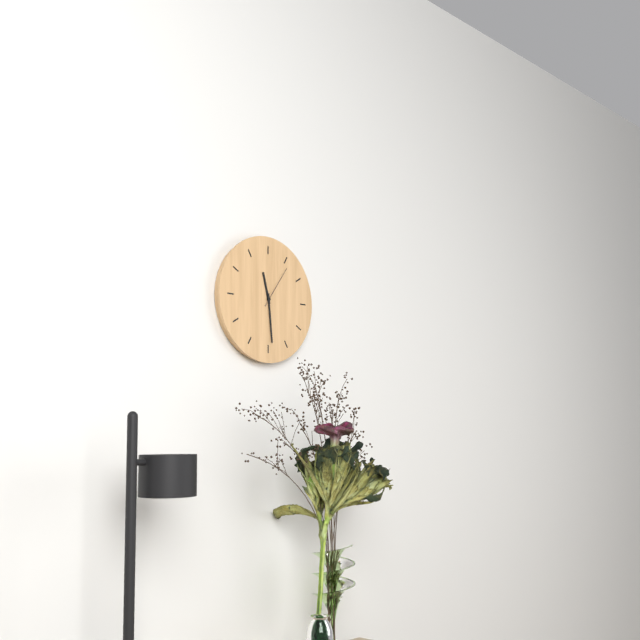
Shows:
11,29
